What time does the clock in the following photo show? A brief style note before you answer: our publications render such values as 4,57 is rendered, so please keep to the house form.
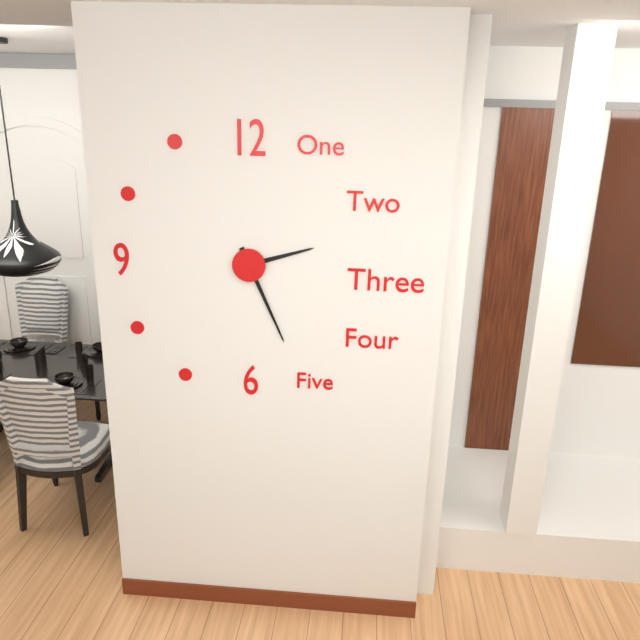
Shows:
2,26
